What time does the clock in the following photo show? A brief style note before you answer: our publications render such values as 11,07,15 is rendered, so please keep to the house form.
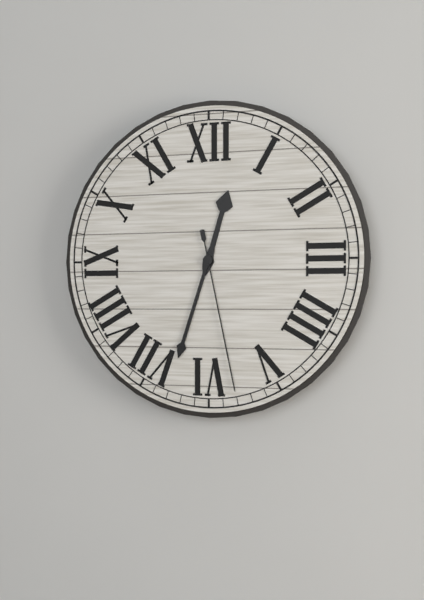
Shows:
12,33,28
